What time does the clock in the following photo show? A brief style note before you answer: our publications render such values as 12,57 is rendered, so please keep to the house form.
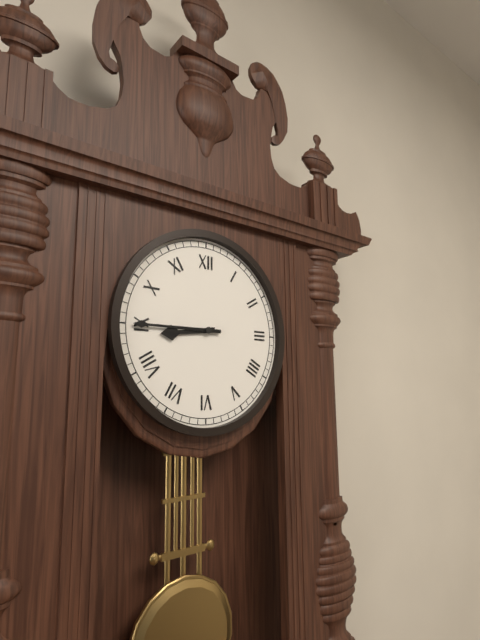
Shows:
8,45
